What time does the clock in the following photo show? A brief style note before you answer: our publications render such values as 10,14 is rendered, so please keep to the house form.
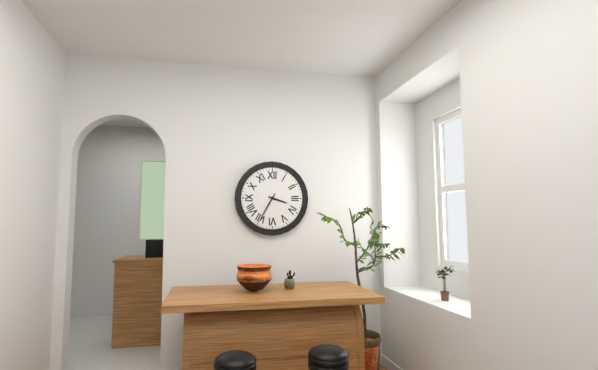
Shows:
3,35
